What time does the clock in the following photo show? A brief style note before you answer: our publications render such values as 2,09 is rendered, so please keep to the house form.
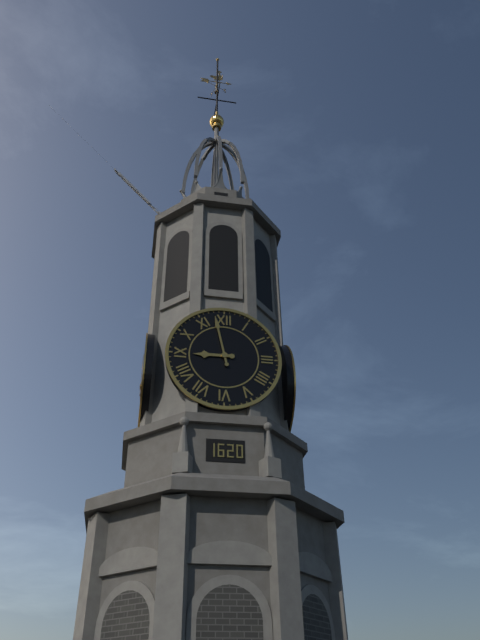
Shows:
8,58
